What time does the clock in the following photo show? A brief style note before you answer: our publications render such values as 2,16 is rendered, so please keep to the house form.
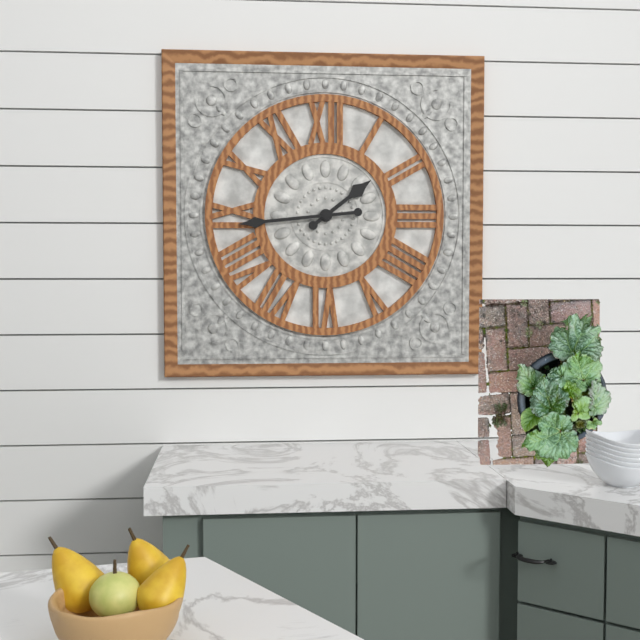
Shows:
1,44
